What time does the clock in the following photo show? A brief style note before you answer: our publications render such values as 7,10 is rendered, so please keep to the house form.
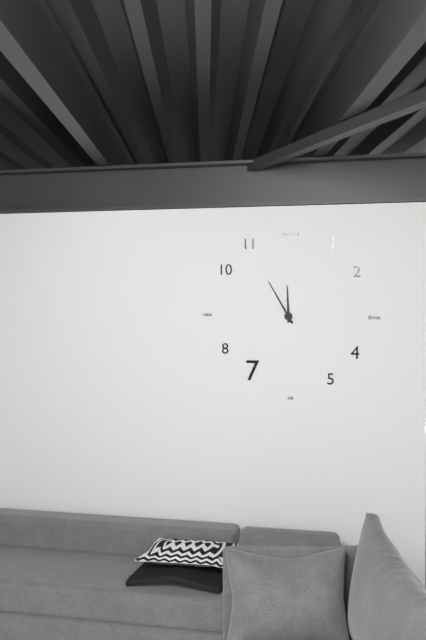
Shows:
11,55
